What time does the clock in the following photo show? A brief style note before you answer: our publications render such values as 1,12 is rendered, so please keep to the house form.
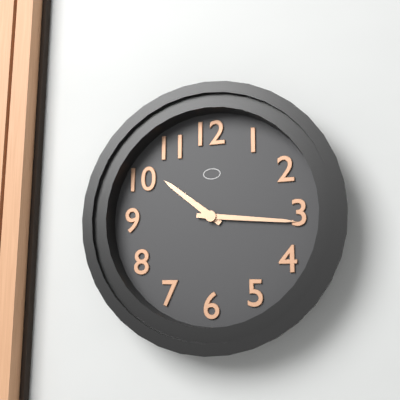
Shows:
10,16
